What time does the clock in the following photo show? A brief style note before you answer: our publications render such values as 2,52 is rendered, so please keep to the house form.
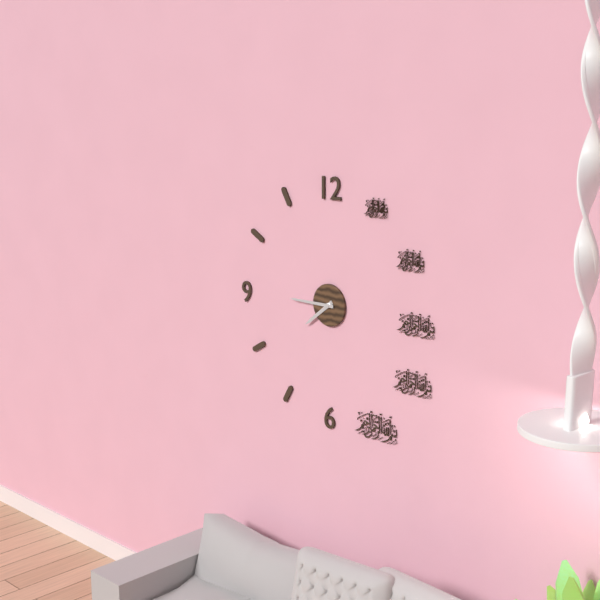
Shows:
7,45
